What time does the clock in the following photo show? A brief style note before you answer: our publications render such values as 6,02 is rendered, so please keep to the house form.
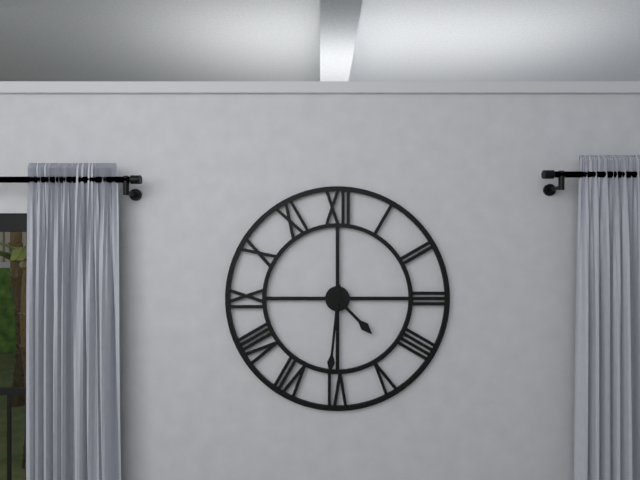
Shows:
4,31
